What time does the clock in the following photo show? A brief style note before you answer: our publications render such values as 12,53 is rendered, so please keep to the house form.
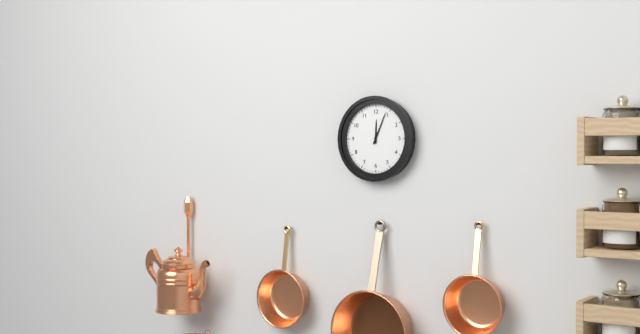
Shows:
12,04
